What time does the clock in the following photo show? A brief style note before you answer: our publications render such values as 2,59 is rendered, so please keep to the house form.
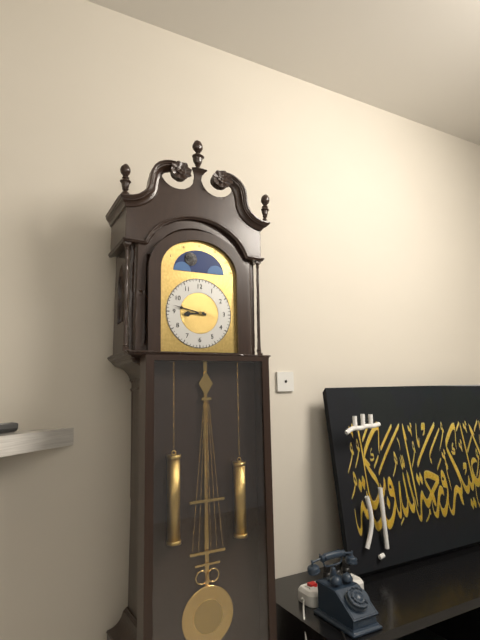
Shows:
8,47
